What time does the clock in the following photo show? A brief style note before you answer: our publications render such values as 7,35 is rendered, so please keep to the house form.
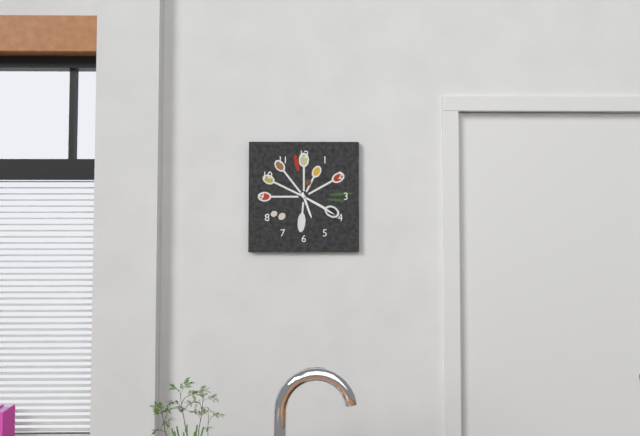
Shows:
5,20
